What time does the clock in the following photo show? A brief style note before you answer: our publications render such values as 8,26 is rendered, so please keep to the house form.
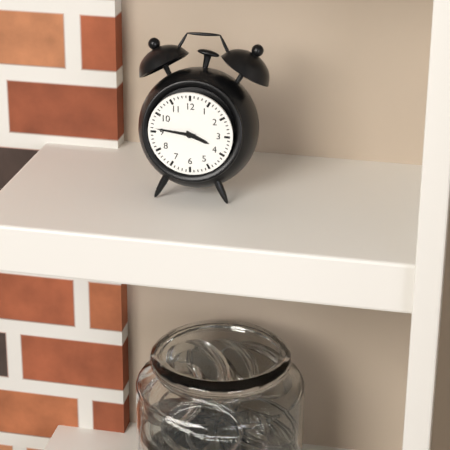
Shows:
3,46
